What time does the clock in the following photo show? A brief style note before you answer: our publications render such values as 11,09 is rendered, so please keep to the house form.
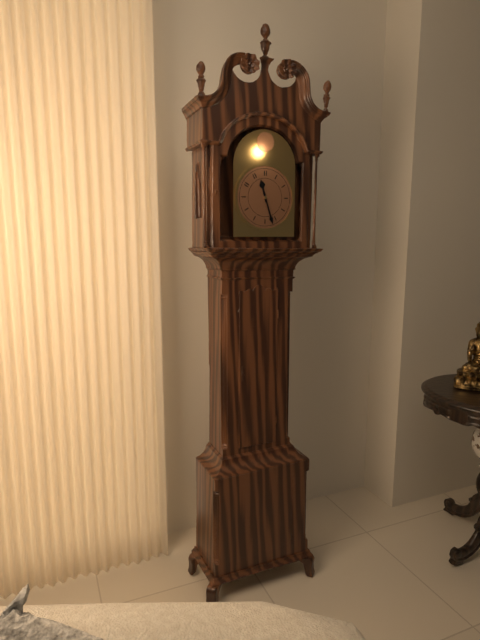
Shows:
11,27
